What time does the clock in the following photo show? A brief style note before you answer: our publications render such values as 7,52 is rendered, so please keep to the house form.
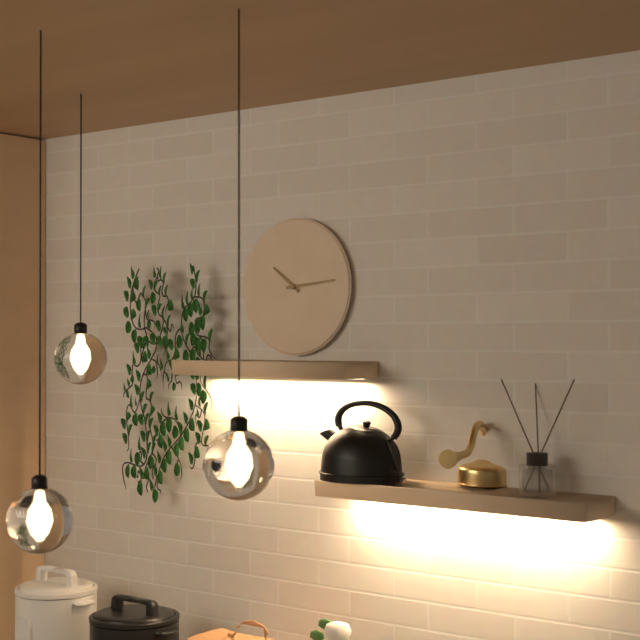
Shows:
10,14
